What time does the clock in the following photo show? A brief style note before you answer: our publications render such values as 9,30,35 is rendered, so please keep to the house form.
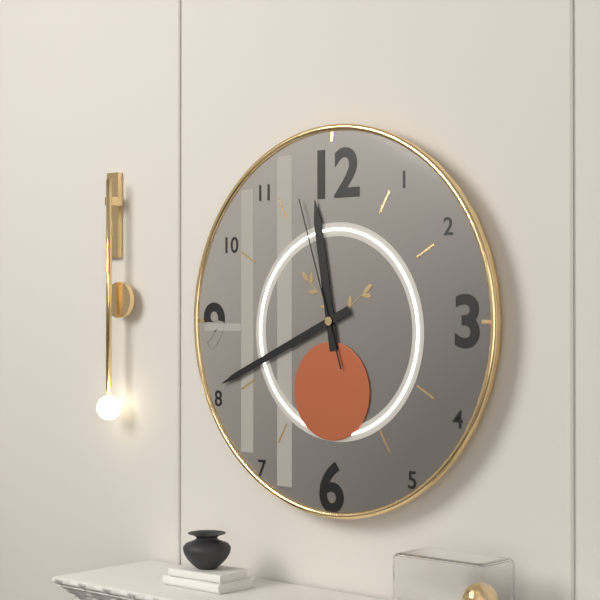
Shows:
11,41,57
